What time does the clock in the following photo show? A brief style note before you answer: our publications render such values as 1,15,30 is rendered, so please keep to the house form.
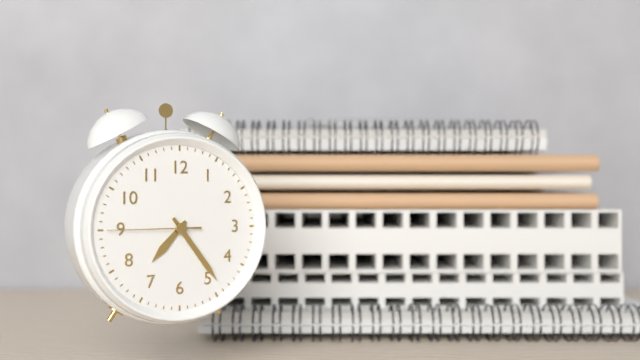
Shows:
7,24,45
